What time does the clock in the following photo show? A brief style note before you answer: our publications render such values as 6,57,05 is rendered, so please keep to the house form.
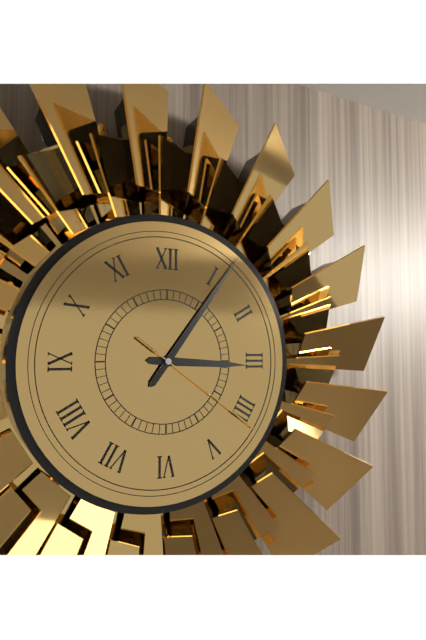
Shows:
3,06,21
